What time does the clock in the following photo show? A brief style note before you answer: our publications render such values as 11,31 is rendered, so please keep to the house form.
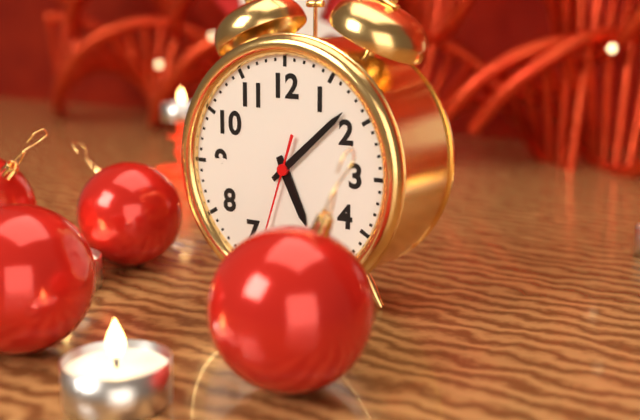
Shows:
5,08
